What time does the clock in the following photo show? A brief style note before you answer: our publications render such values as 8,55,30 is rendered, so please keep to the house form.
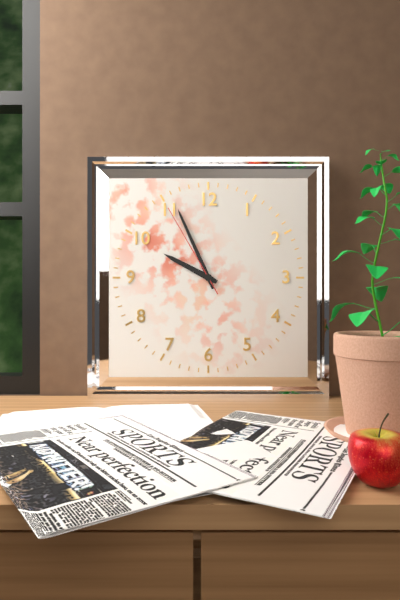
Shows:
9,56,55
